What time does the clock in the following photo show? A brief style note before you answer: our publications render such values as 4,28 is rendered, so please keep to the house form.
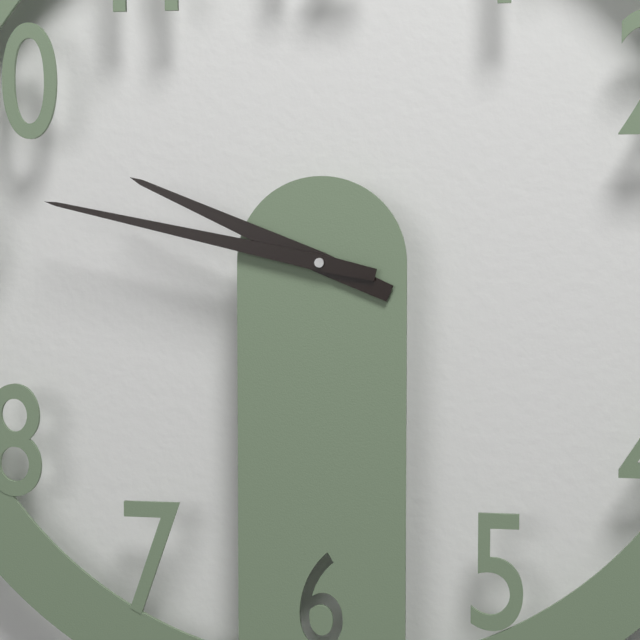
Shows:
9,47
